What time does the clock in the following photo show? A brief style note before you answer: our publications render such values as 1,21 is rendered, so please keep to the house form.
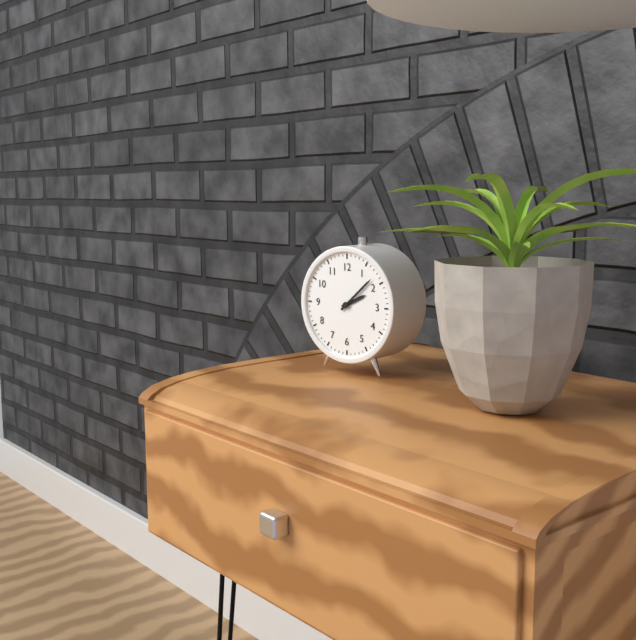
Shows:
2,08
